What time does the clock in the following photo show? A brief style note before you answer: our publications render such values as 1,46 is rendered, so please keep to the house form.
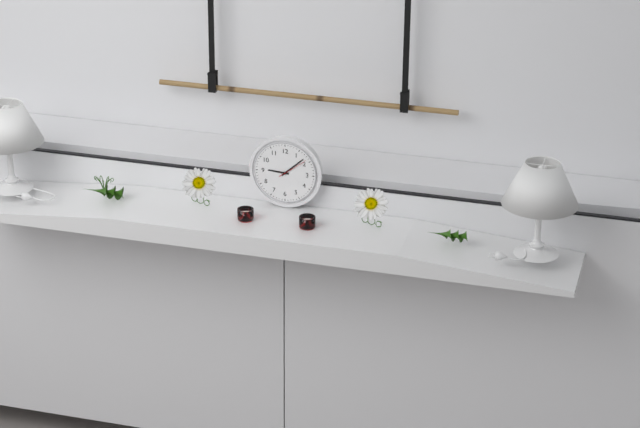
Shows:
9,08
